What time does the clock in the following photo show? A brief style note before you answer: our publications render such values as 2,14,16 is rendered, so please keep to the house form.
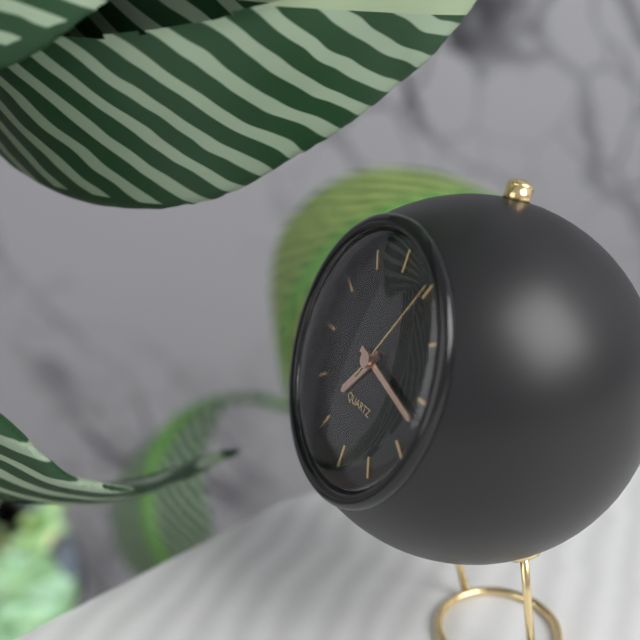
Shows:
7,17,05
